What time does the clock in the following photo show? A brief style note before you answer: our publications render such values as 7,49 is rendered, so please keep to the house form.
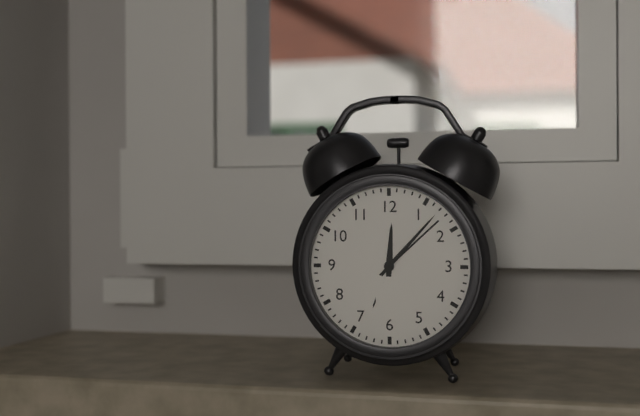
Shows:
12,07
